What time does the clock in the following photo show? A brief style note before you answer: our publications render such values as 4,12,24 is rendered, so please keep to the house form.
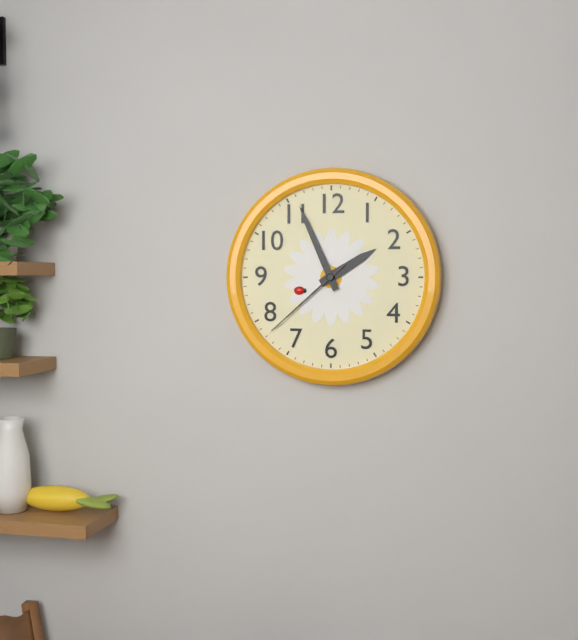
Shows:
1,56,38
